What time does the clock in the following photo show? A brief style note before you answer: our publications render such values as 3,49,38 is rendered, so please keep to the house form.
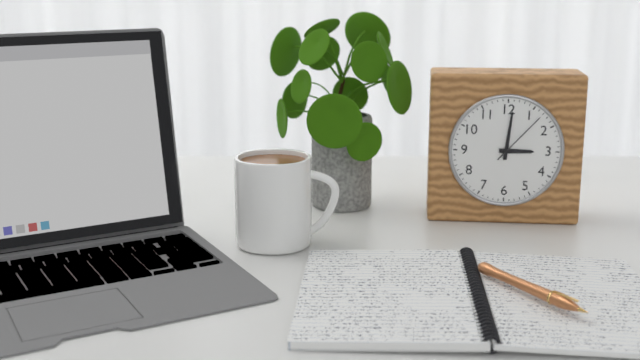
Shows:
3,01,07
